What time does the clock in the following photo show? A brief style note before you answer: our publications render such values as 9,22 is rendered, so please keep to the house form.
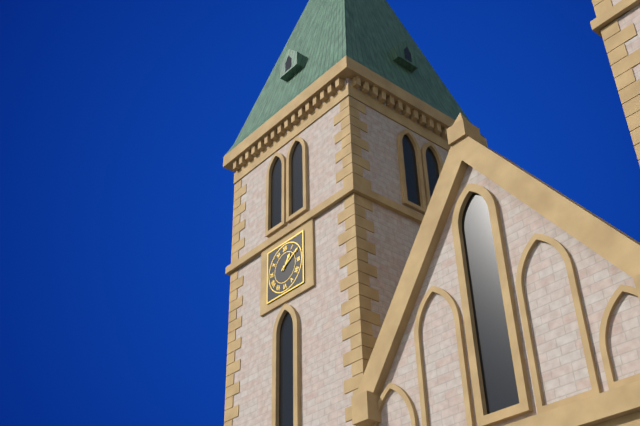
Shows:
1,10
